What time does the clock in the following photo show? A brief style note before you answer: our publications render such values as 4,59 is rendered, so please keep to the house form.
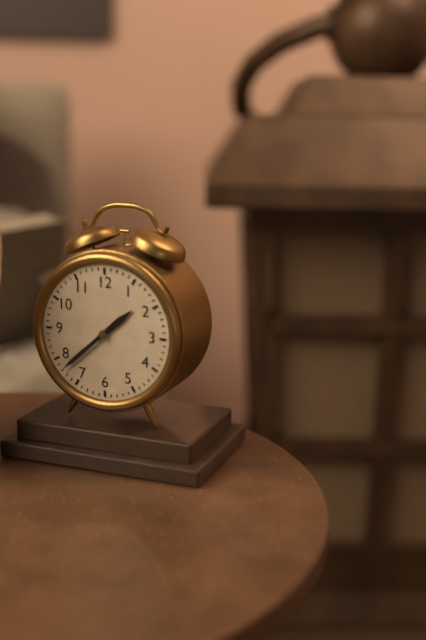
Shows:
1,38
